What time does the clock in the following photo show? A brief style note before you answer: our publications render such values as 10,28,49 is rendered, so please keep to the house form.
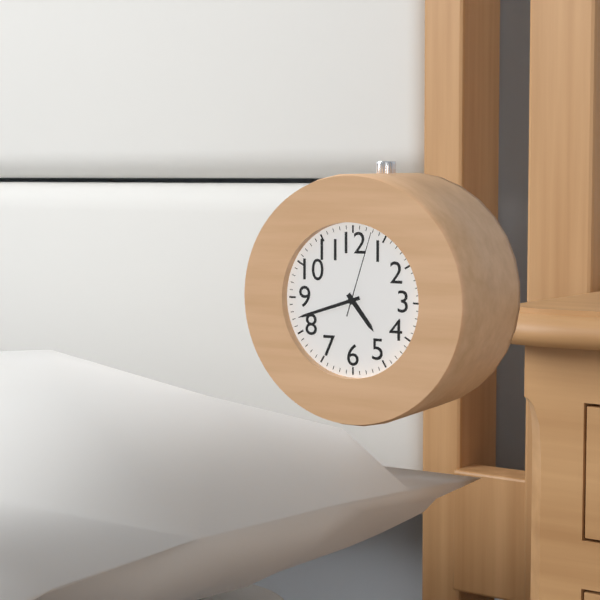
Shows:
4,42,03
